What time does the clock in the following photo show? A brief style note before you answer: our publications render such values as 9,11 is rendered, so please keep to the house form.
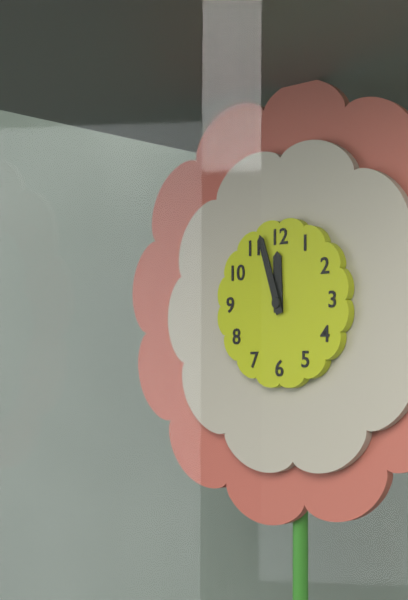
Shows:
11,57
